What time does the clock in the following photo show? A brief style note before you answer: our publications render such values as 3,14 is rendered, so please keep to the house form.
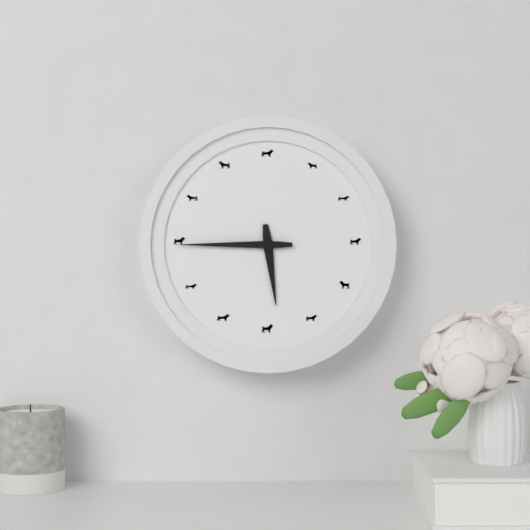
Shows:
5,45
